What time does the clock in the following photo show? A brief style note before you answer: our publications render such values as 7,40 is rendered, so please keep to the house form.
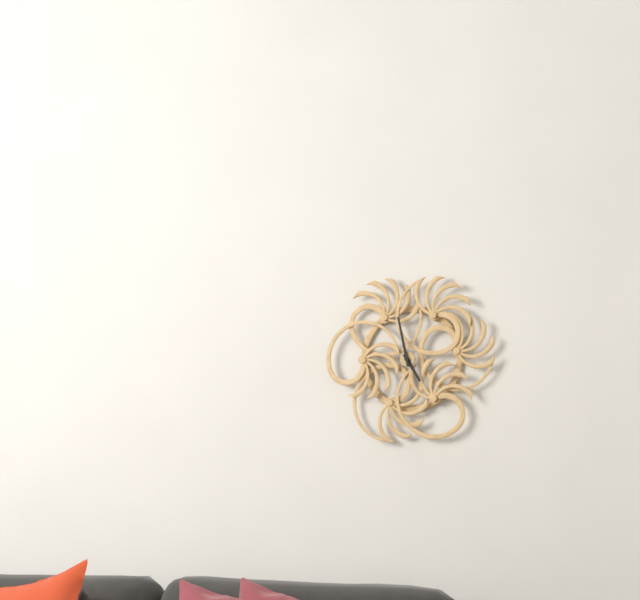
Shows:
4,58
